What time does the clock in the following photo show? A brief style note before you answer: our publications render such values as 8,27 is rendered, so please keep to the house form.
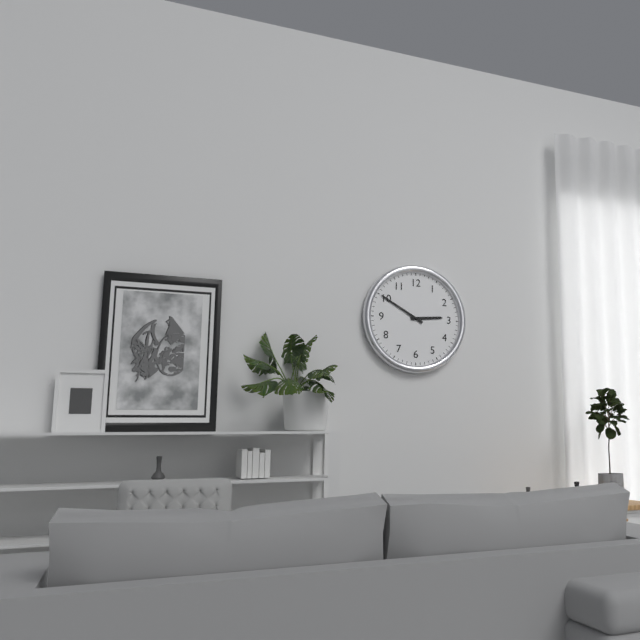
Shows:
2,50
